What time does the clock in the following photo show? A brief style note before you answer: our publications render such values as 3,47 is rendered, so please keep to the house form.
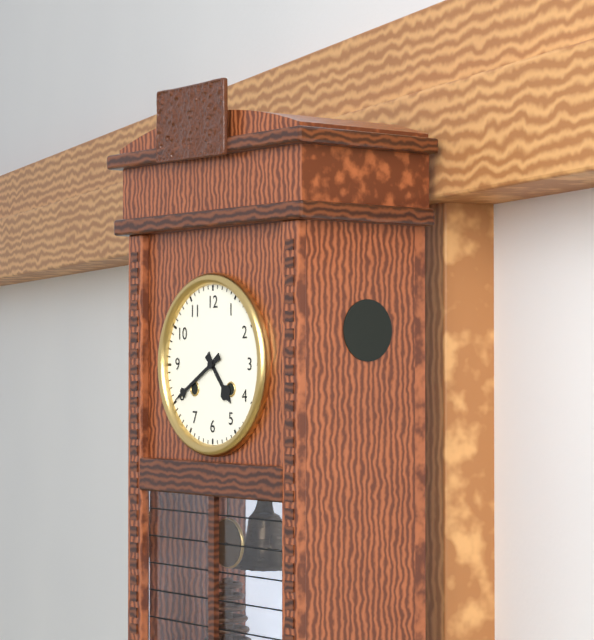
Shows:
4,40
